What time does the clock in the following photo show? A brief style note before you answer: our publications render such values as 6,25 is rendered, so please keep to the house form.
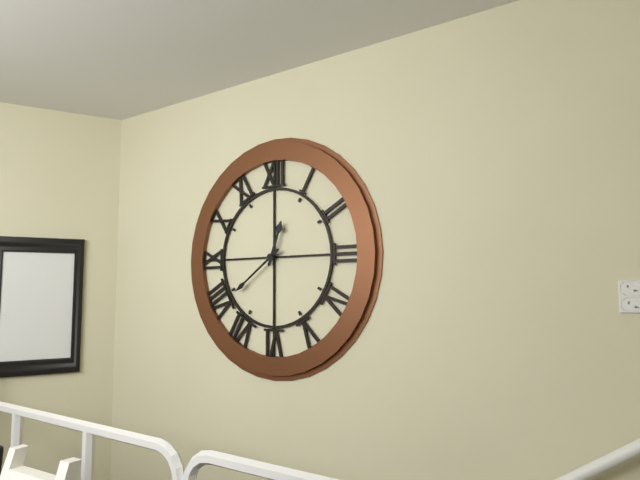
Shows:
12,39
